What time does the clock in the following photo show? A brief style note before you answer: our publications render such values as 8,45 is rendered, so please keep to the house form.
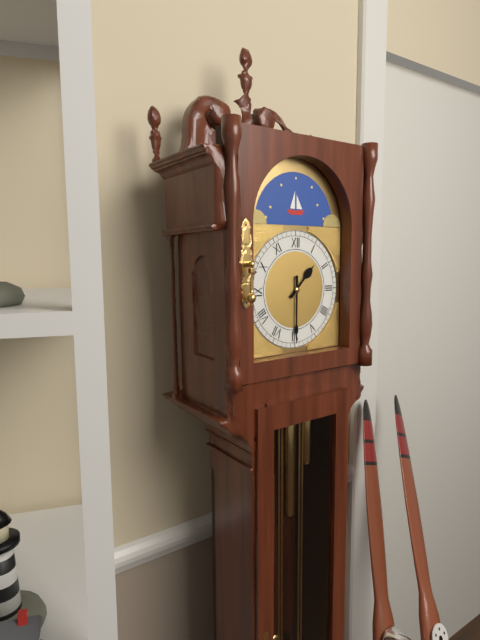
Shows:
1,30
